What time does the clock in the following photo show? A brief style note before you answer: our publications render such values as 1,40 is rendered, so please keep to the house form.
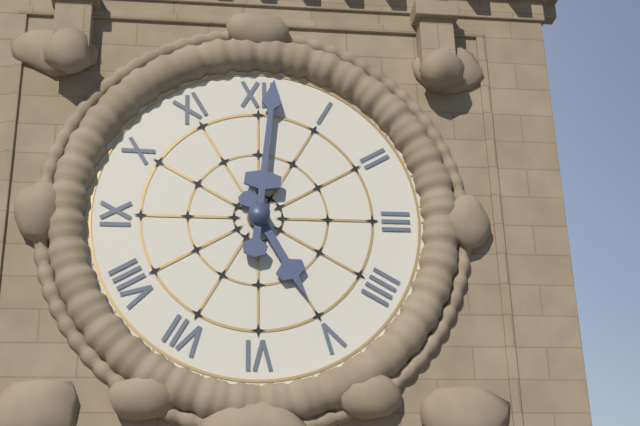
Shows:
5,01
